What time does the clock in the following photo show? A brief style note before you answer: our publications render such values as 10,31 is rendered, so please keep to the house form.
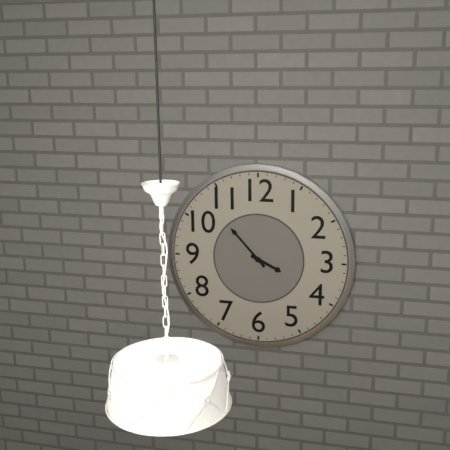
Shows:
3,53
